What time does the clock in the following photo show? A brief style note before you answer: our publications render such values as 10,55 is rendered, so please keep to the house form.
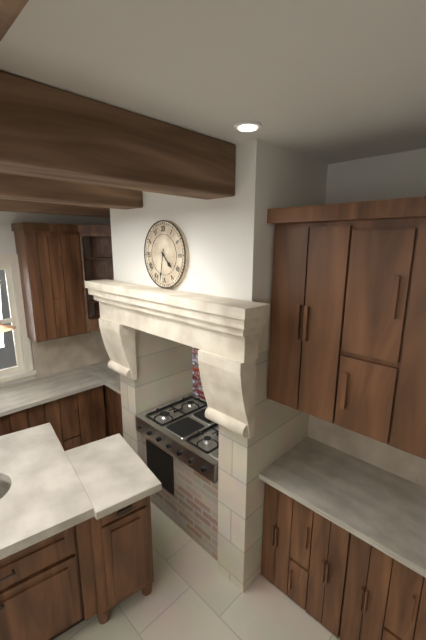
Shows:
4,32
